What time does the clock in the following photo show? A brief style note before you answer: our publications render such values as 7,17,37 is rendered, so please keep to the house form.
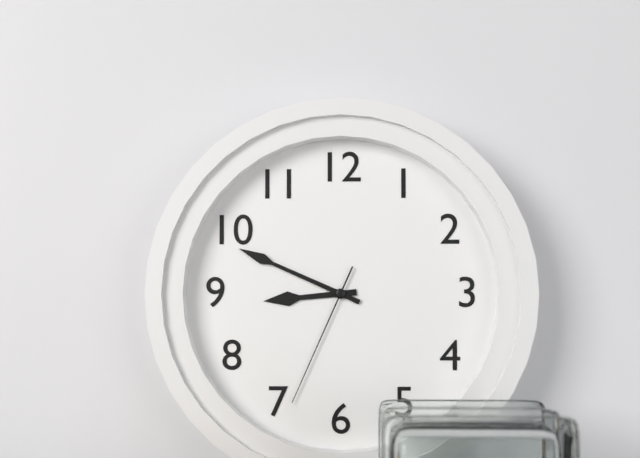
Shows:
8,49,34
